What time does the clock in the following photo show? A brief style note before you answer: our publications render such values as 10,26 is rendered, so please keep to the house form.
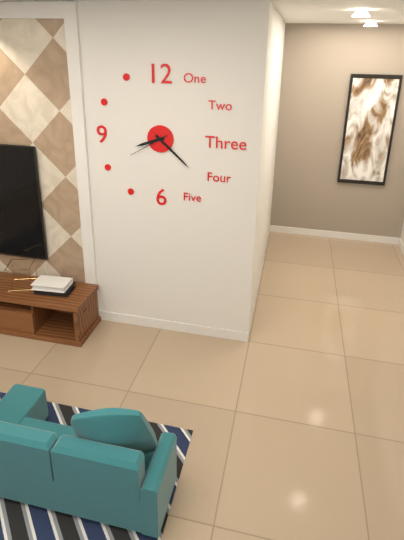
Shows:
8,22
